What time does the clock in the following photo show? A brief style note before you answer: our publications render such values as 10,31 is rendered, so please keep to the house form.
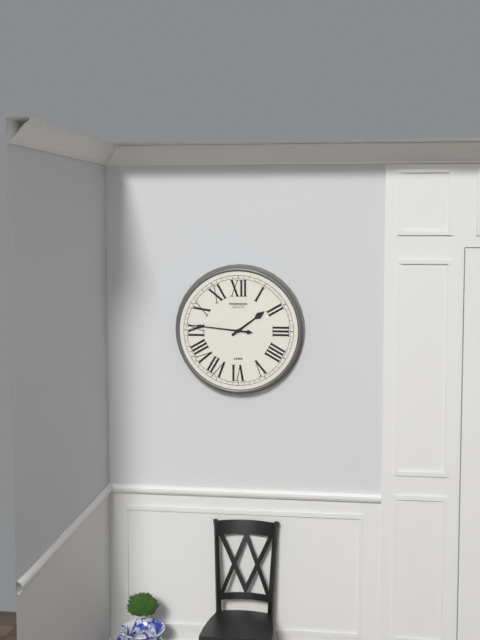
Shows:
1,46
